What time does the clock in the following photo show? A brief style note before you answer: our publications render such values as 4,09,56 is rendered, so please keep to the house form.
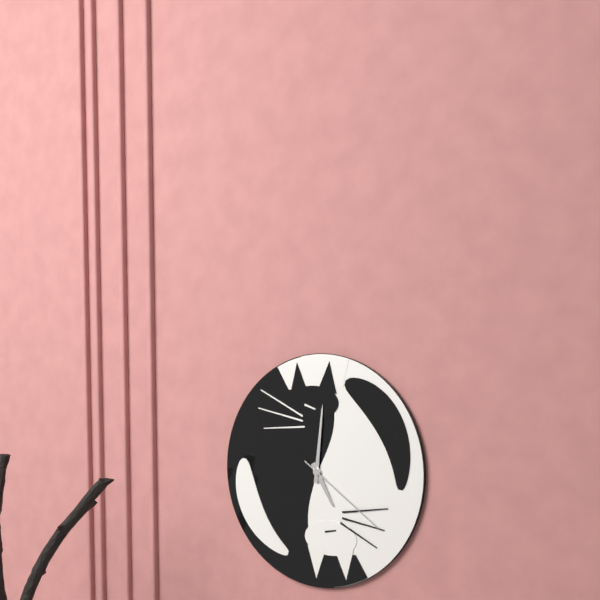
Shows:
5,01,21
